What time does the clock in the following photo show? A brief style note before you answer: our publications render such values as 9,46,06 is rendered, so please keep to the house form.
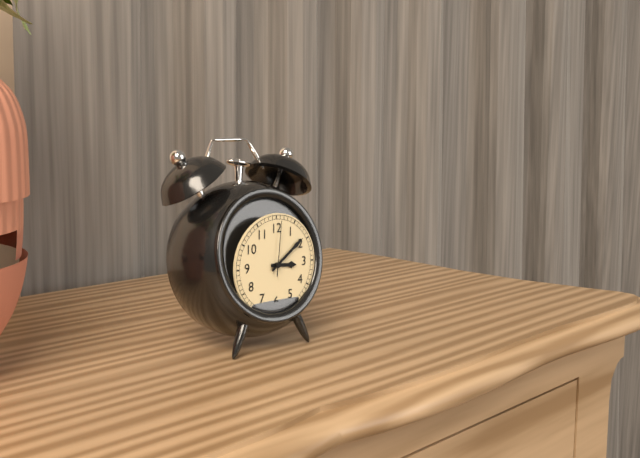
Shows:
3,09,01
